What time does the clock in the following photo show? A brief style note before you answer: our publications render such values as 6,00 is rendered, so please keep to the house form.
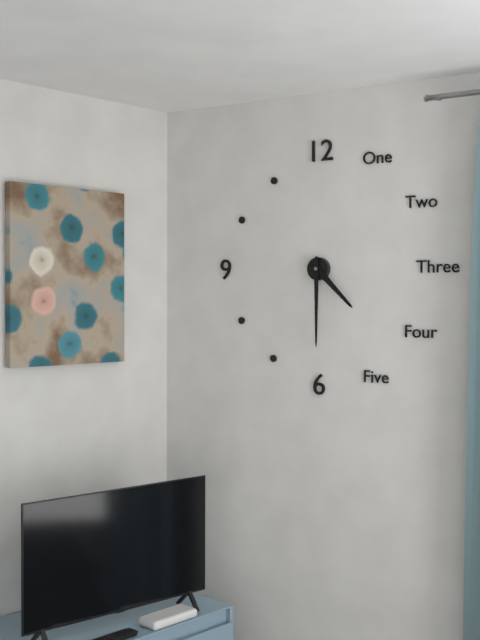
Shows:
4,30
